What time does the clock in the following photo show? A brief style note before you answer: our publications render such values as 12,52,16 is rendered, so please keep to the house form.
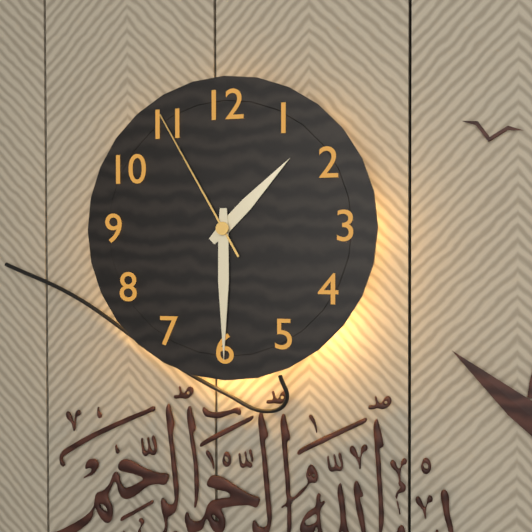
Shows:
1,30,55
